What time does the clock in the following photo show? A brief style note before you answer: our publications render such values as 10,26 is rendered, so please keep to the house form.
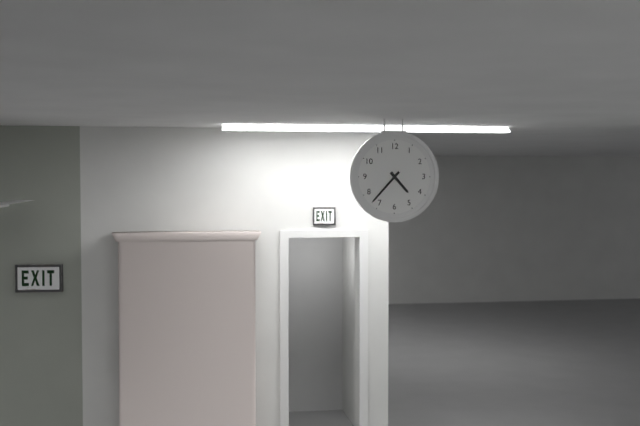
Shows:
4,37
